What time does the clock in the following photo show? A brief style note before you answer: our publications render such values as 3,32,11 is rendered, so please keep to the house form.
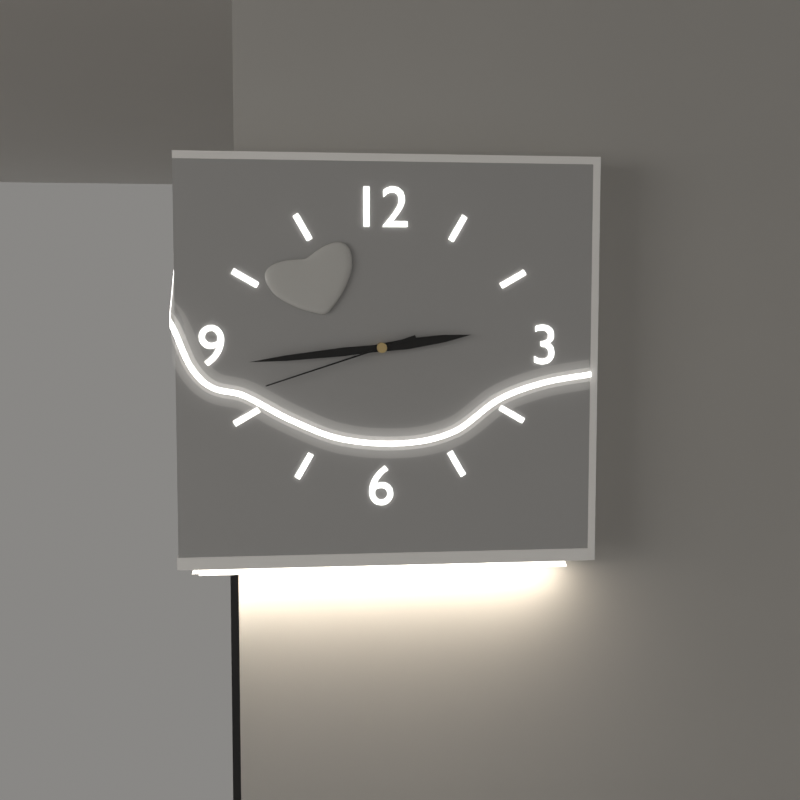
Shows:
2,44,42
